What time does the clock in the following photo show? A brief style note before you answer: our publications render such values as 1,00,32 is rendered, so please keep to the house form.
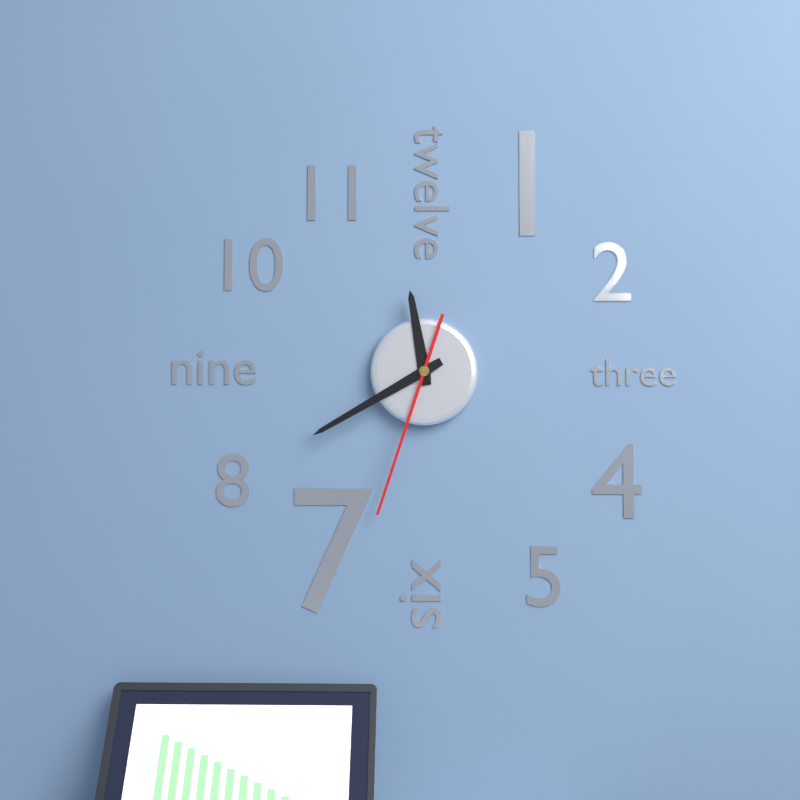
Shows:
11,40,33
